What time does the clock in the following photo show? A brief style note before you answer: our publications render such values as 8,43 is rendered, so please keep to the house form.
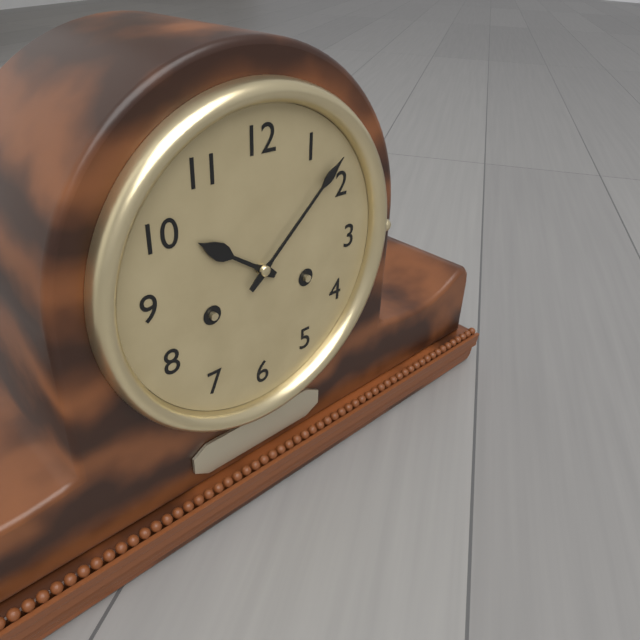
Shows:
10,08
